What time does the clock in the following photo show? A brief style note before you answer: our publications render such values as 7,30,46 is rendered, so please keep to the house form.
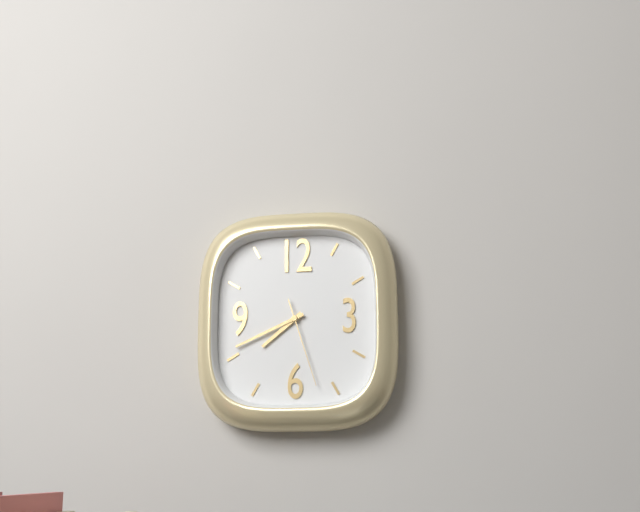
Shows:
7,41,27
